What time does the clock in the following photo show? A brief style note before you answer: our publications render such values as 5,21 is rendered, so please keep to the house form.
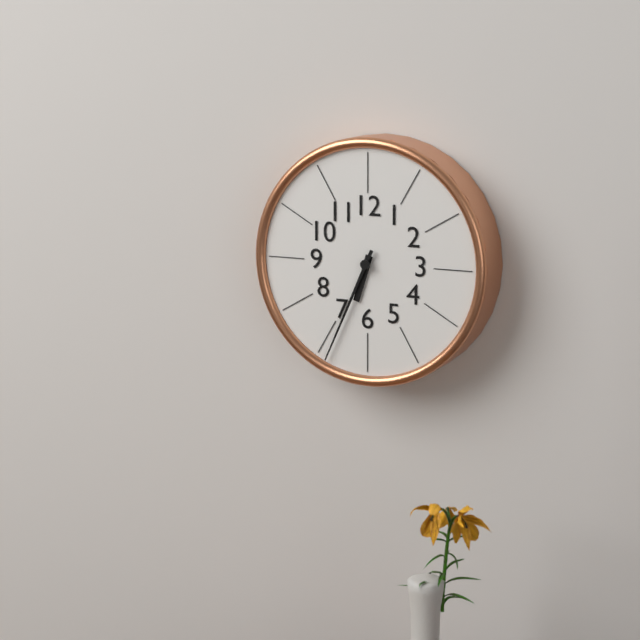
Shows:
6,34
